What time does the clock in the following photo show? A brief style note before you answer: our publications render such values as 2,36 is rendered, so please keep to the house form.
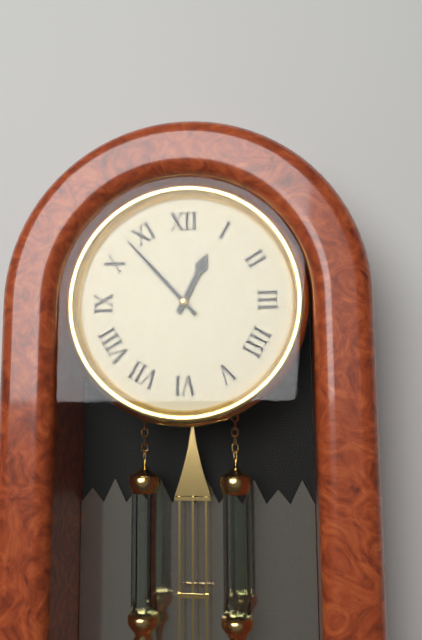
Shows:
12,53
